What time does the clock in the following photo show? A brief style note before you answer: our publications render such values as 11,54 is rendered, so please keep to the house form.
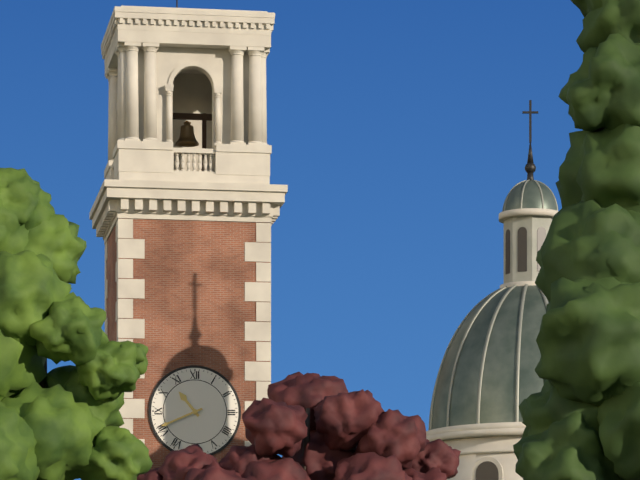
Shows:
10,41
